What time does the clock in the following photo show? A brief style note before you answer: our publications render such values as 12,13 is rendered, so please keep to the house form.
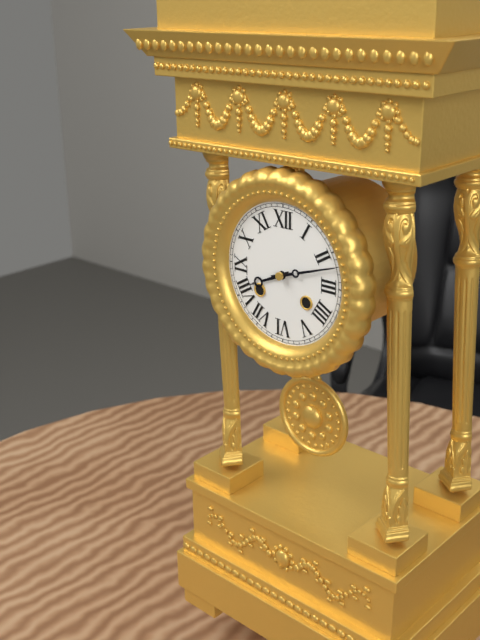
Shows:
8,12
